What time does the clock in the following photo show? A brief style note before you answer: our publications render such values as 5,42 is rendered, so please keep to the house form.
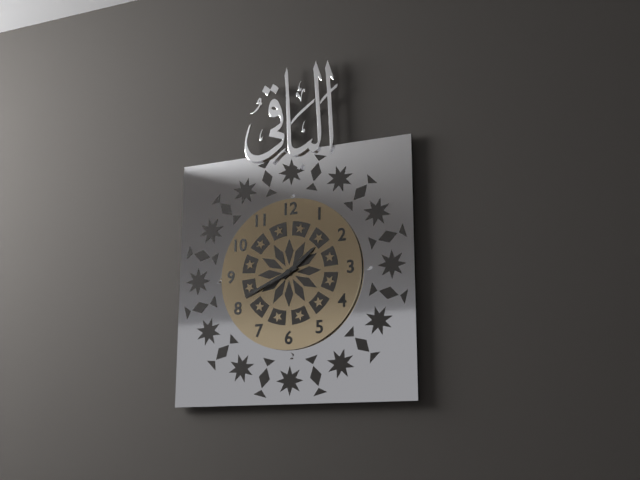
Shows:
1,41
